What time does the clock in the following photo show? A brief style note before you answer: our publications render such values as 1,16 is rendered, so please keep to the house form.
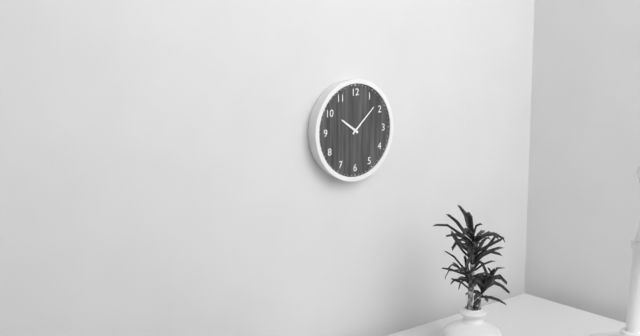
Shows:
10,08
